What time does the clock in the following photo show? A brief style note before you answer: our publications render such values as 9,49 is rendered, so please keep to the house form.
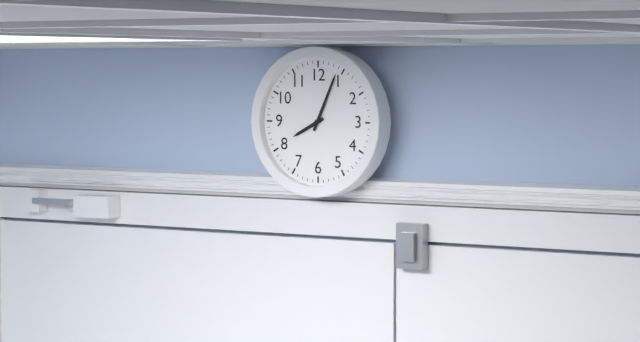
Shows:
8,04
